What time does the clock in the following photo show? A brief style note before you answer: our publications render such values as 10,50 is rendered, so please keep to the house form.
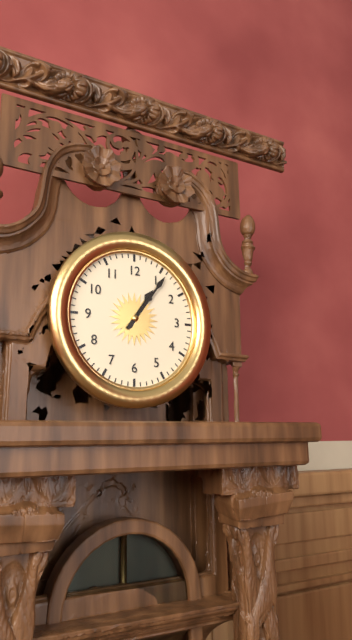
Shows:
1,06
